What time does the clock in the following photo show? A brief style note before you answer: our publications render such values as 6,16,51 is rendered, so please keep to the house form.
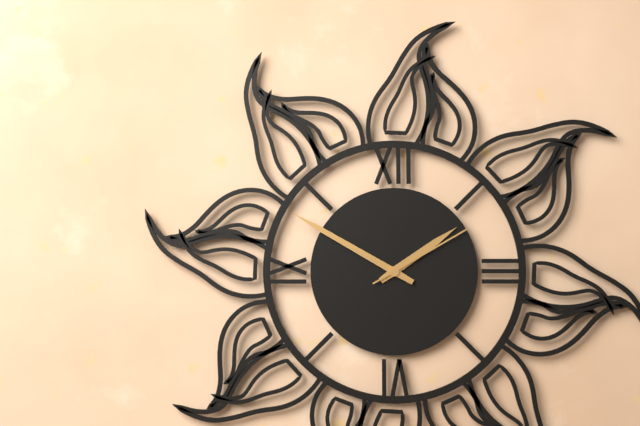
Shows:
1,50,10
